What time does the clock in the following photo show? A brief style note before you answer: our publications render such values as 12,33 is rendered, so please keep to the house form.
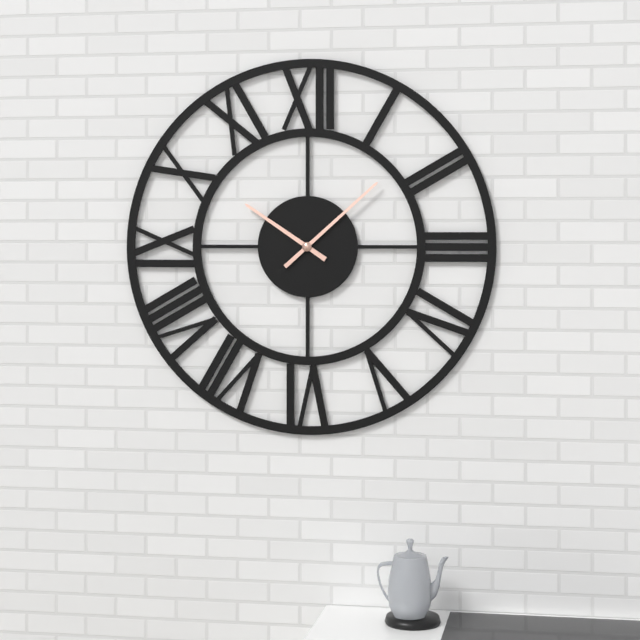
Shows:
10,08
